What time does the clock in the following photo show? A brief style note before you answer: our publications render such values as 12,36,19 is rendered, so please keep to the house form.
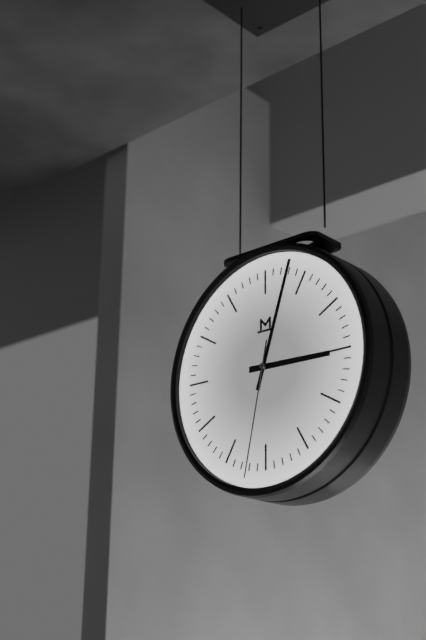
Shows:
3,03,32
